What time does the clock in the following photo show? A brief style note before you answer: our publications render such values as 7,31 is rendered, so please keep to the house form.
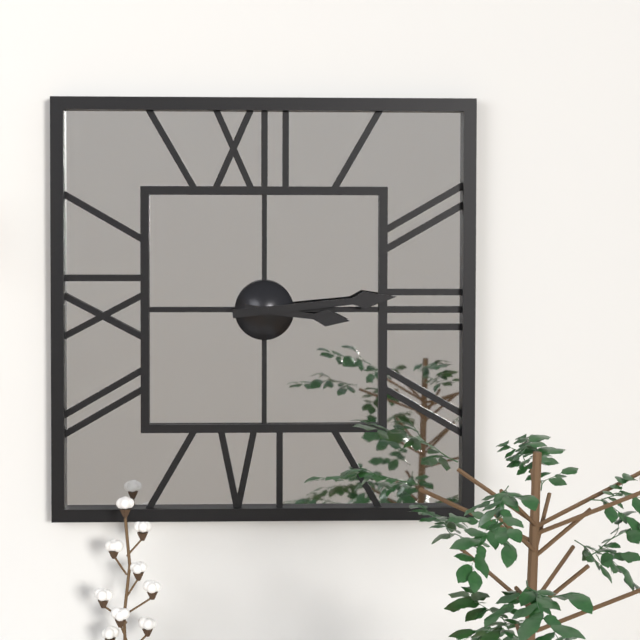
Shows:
3,14
